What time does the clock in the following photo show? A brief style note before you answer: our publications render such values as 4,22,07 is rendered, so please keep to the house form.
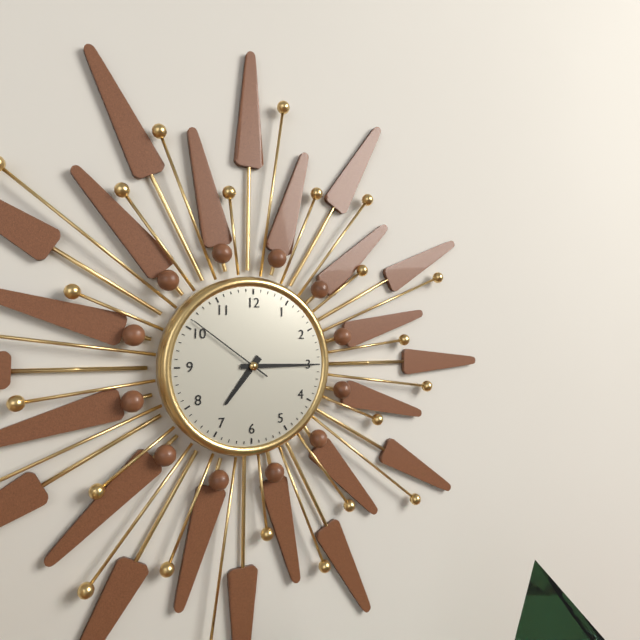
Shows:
7,15,51
